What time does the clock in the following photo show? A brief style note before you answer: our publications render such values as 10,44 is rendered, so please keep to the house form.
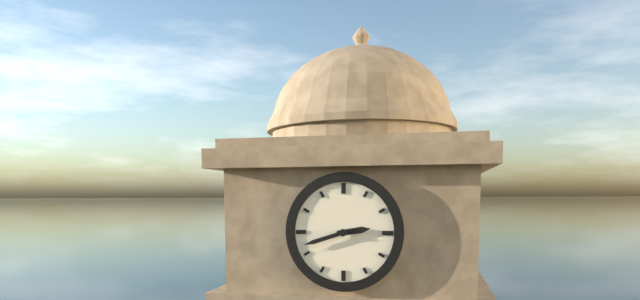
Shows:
2,42
